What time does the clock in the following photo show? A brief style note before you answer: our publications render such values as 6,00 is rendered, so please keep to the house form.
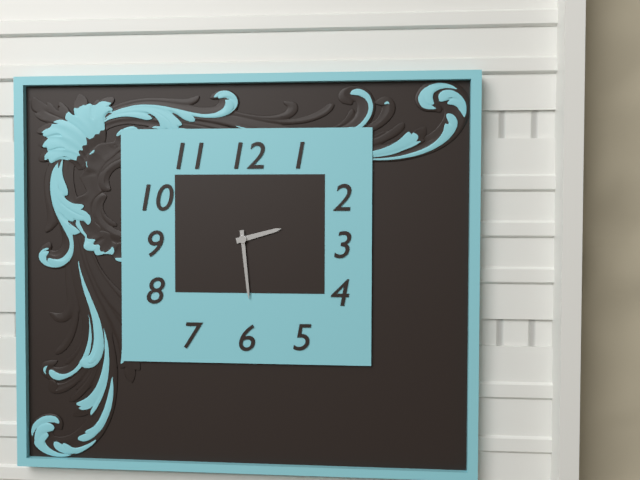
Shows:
2,29
